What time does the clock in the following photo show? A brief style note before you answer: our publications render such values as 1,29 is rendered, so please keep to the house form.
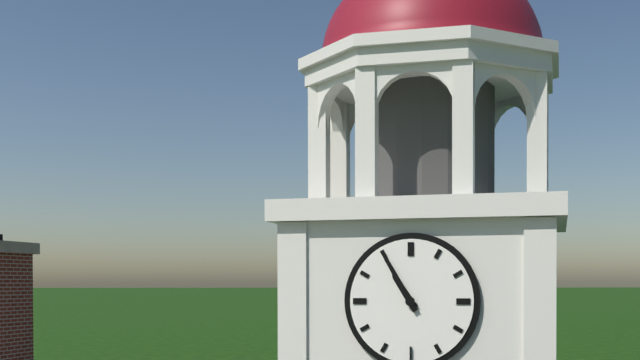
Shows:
10,55
